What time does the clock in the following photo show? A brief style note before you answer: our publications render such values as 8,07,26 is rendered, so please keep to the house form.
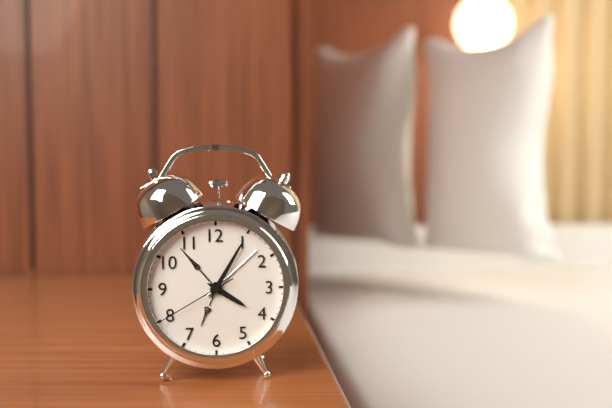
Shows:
4,05,40
